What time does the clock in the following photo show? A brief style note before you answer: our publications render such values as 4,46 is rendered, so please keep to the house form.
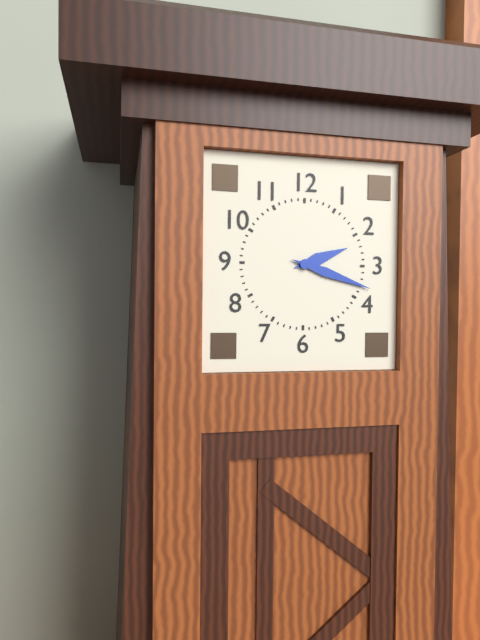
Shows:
2,18
